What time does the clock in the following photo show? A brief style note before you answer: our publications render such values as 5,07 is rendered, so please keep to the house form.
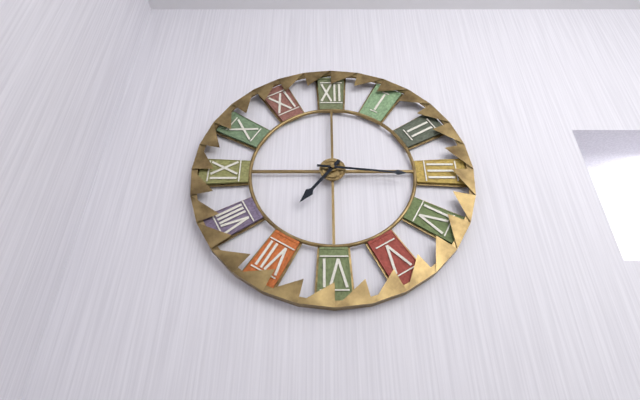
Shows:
7,16
